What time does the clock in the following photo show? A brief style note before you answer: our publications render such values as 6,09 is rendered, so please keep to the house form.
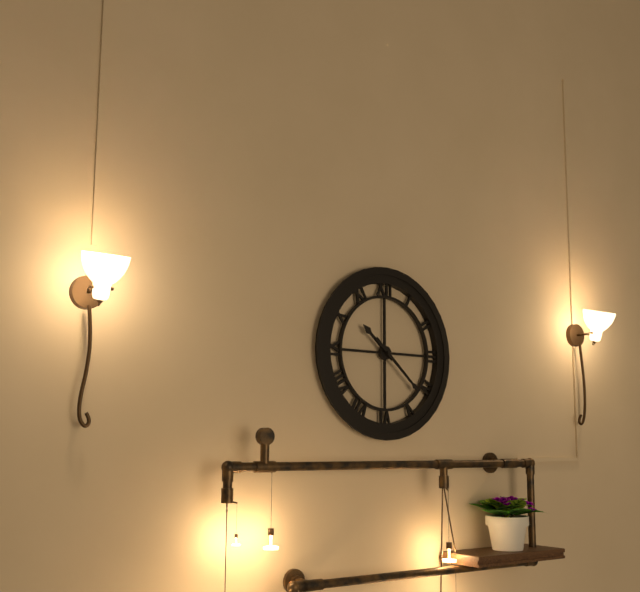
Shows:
10,22
